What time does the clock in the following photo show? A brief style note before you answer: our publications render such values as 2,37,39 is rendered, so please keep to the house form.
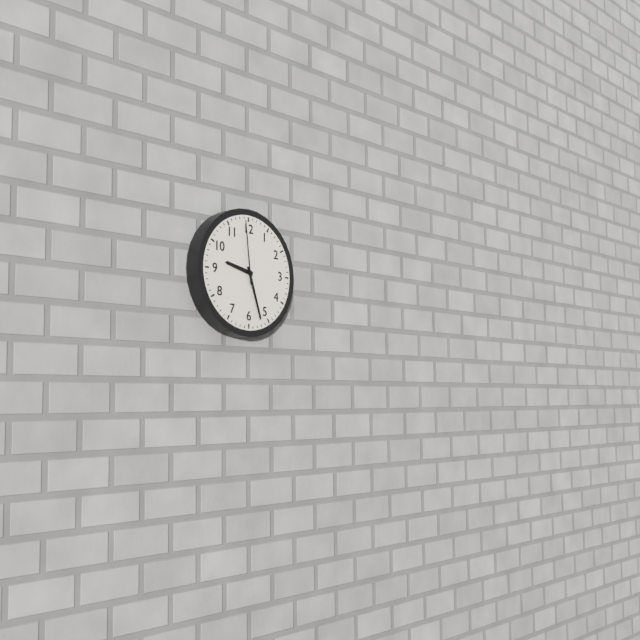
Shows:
9,27,59
